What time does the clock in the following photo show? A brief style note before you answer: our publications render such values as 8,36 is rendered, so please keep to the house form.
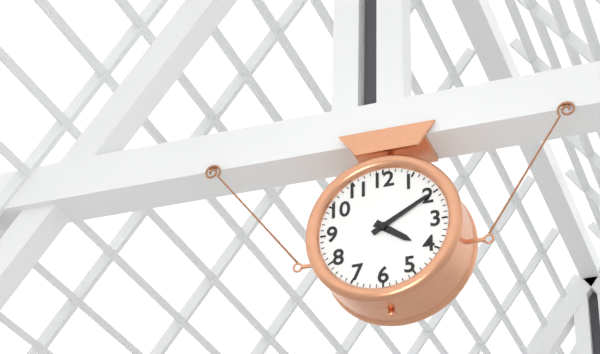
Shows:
4,10
